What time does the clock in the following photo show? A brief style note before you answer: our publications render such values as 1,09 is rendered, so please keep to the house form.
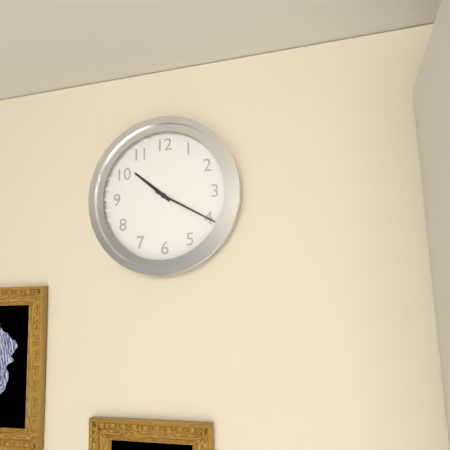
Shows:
10,20
